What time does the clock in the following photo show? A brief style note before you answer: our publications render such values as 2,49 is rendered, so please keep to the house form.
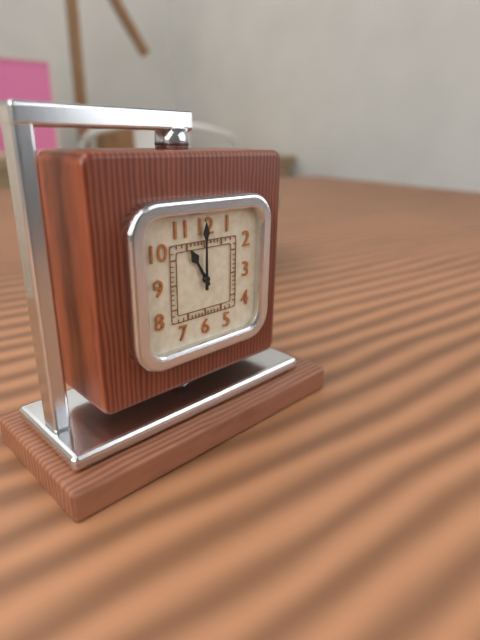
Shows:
11,00
